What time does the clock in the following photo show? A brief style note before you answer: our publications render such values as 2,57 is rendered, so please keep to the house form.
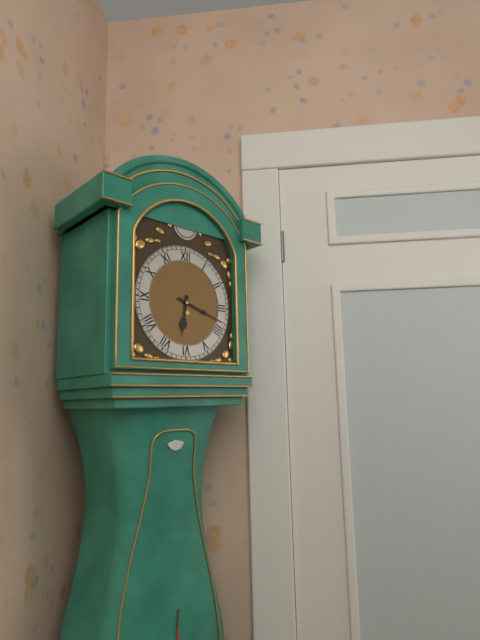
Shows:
6,18
